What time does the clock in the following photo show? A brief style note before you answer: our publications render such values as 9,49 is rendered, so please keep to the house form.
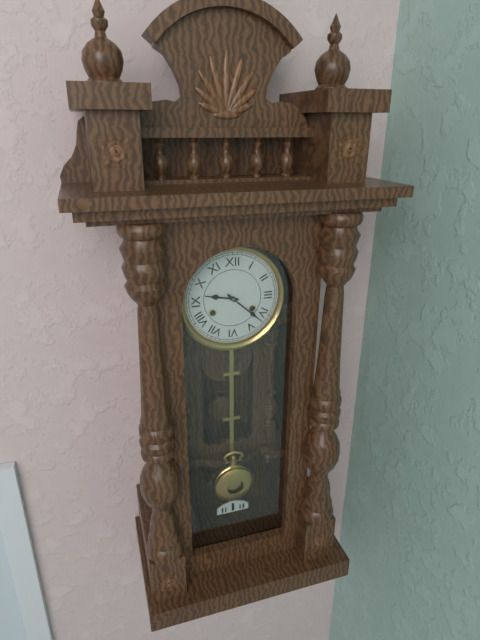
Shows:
9,22
